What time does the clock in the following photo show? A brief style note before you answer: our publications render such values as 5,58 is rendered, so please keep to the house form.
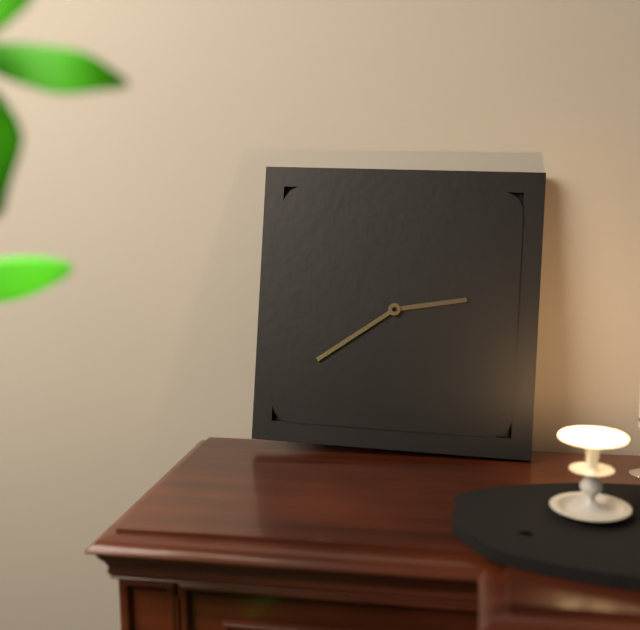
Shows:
2,39
